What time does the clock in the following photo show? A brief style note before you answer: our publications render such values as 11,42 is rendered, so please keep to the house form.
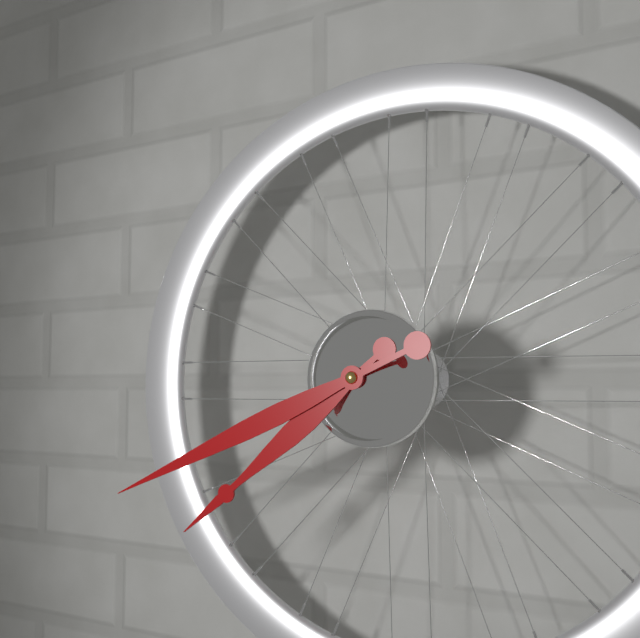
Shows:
7,41
